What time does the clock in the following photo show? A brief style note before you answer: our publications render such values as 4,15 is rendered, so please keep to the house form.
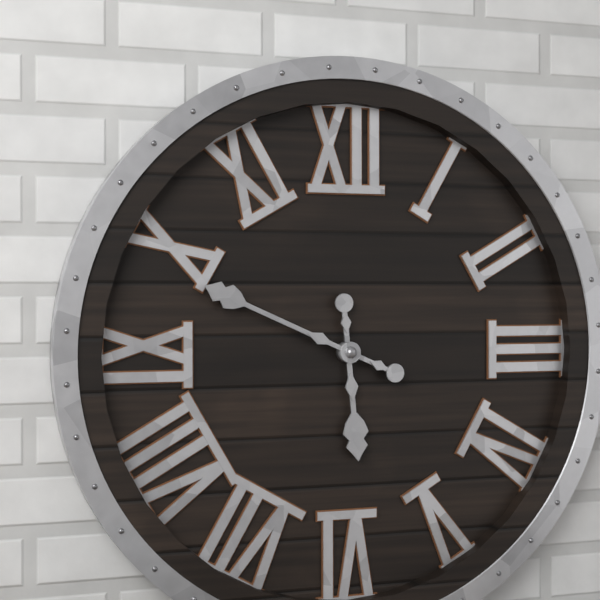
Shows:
5,49
